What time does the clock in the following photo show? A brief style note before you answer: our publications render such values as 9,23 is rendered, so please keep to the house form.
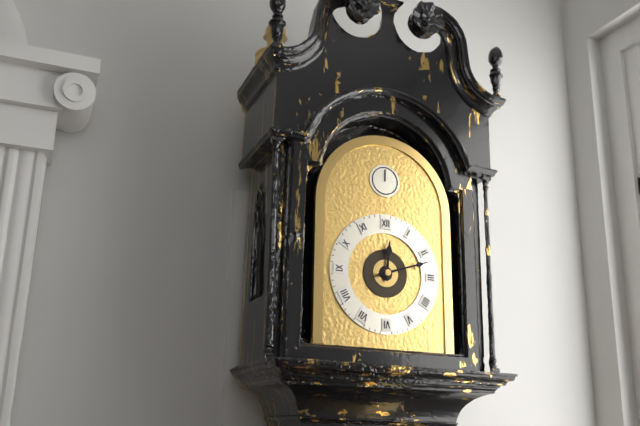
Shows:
12,12
